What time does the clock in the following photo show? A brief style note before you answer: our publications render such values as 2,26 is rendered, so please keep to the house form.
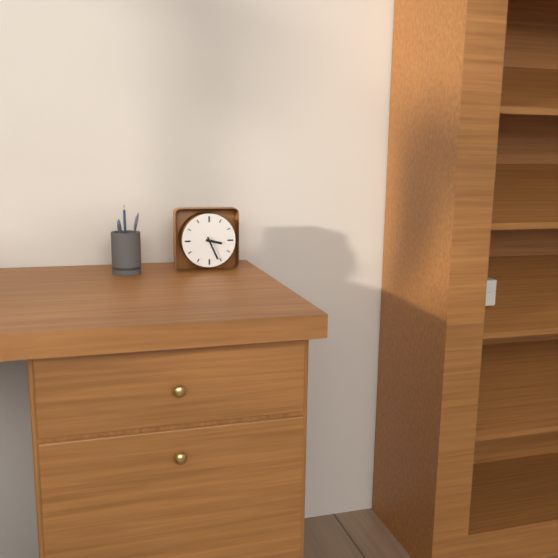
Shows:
3,26
